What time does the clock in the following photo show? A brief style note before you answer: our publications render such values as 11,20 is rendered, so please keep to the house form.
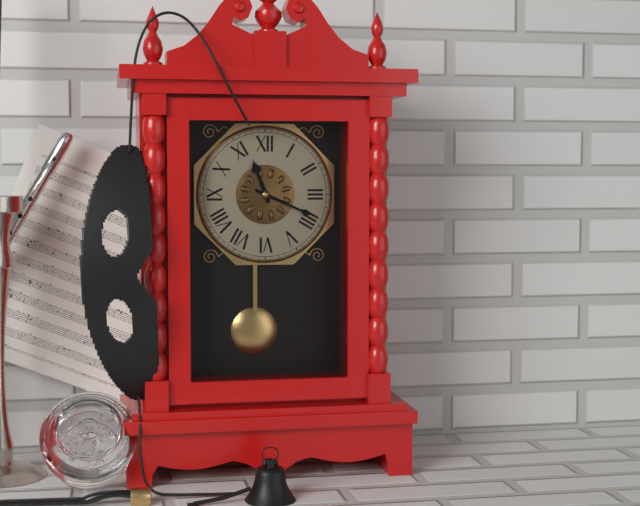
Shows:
11,19
